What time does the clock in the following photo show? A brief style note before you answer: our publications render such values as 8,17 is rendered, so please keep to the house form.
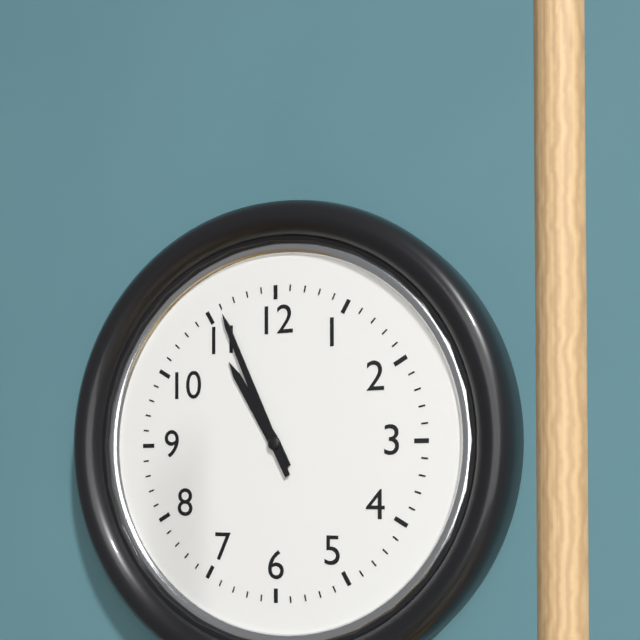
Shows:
10,56
